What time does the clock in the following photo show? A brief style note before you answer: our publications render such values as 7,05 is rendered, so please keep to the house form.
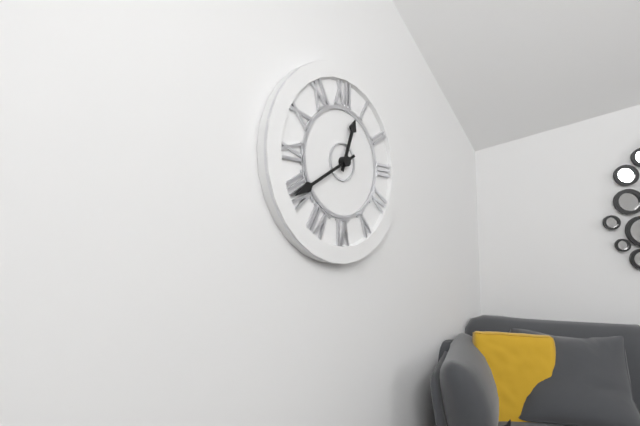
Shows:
12,40
